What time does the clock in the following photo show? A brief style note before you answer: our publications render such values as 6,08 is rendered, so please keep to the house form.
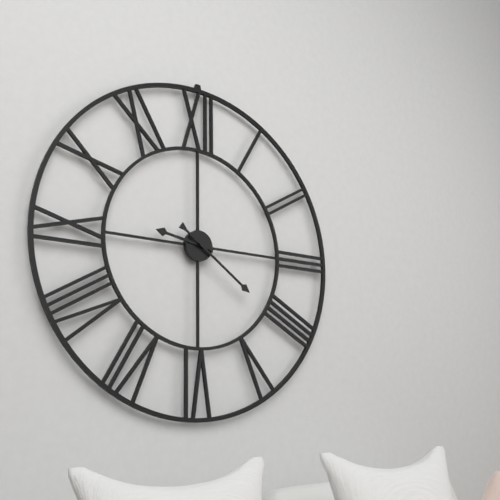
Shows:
9,21
